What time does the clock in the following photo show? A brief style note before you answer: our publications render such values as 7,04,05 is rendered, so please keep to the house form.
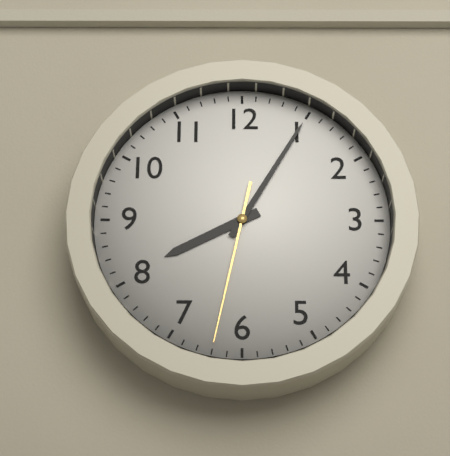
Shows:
8,05,32
